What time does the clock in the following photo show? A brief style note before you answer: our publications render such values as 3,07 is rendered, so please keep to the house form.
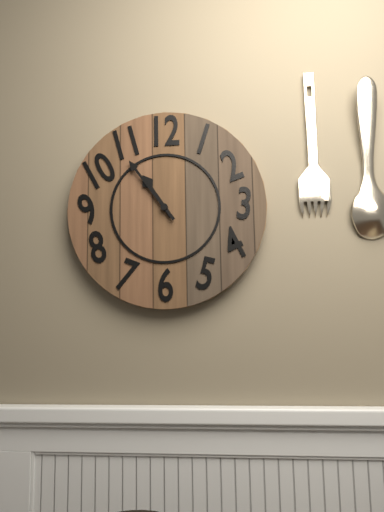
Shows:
10,54
